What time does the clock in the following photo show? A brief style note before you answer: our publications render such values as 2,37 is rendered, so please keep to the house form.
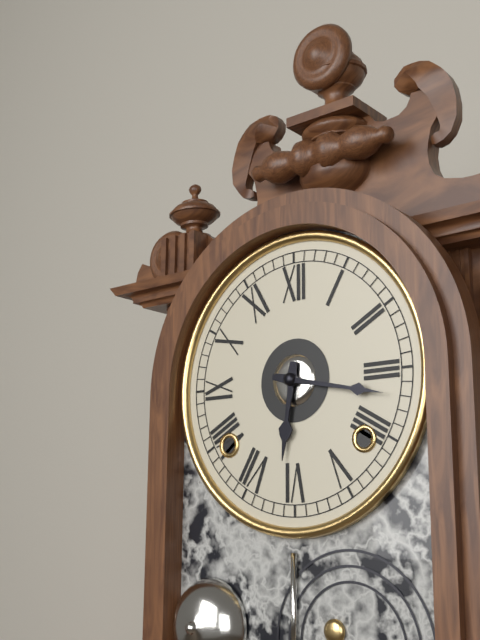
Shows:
6,17
